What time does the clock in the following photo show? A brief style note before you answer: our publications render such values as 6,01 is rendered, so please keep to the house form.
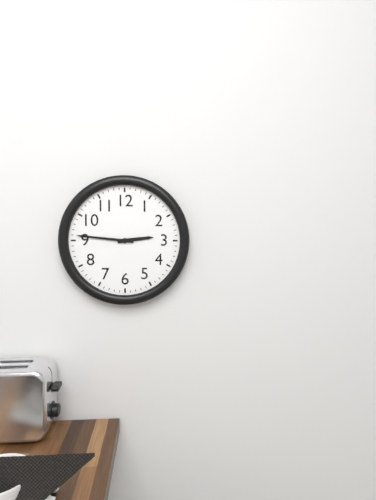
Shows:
2,46
